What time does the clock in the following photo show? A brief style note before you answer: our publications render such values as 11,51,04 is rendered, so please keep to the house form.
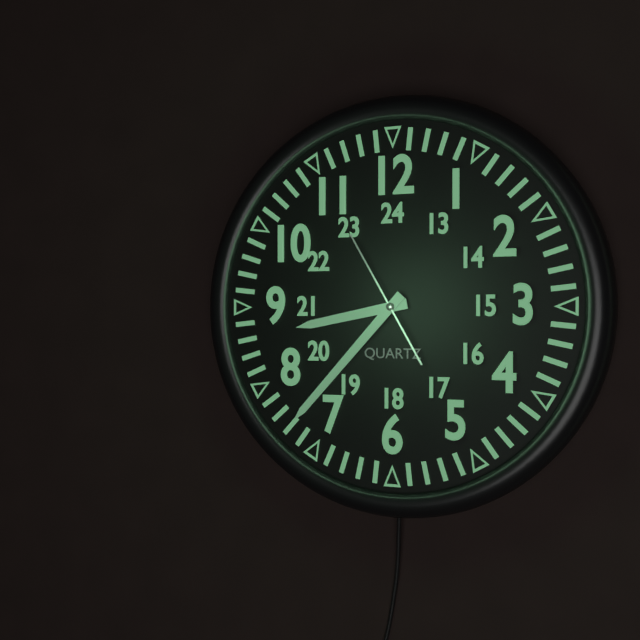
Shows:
8,37,55
